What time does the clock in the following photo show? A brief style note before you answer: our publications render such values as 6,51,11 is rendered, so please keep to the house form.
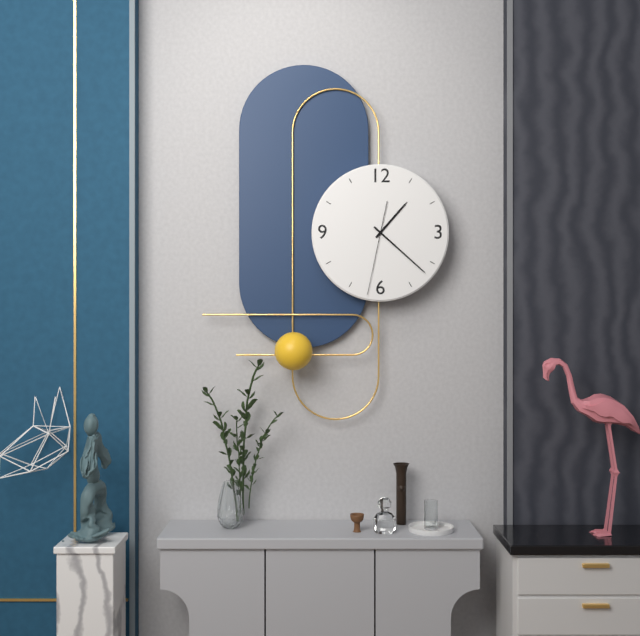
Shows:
1,22,32
